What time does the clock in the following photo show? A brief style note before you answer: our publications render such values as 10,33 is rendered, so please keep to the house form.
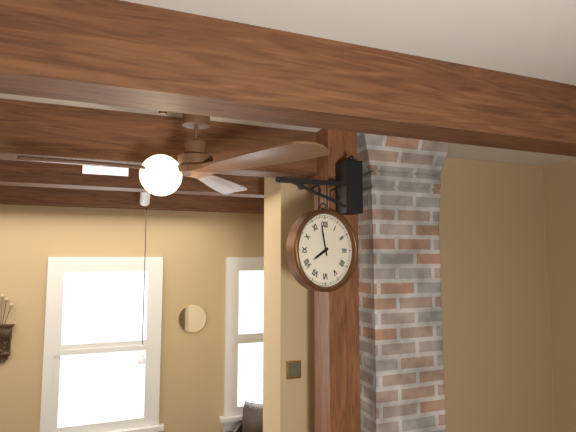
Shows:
7,58
